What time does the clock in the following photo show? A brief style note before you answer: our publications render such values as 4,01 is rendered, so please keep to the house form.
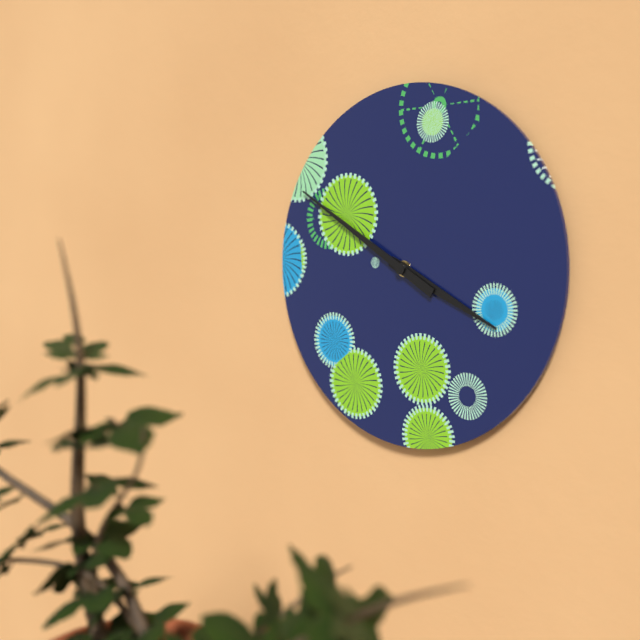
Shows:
3,50
